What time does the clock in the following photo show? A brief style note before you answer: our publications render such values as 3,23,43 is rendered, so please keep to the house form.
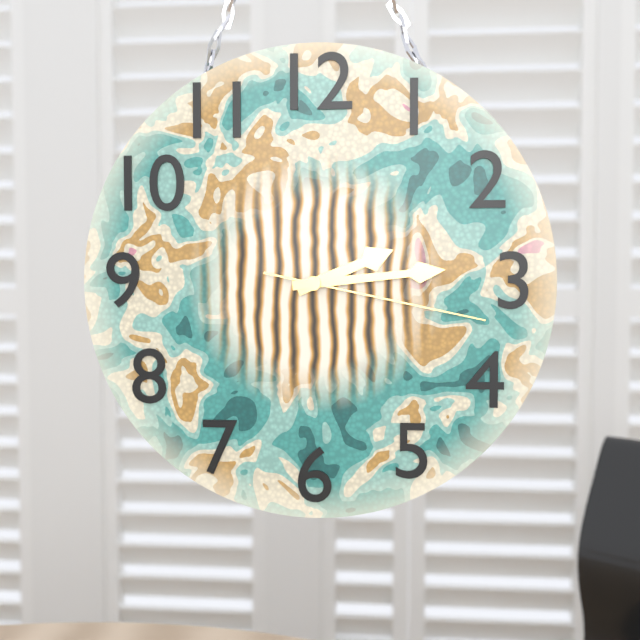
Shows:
2,14,17
